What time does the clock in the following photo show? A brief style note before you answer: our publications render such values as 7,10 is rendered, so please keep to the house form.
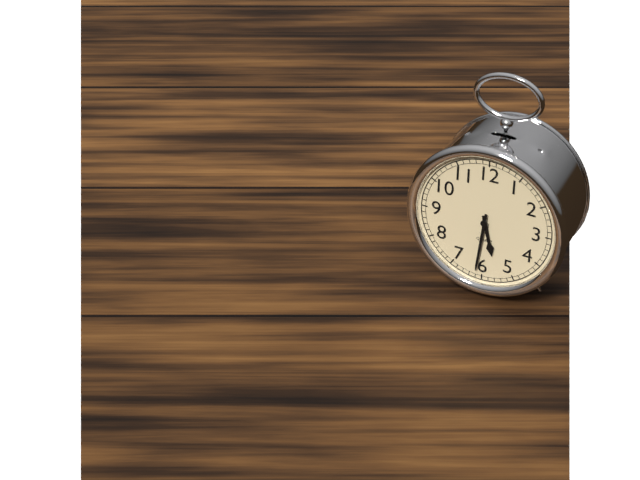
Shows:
5,31
